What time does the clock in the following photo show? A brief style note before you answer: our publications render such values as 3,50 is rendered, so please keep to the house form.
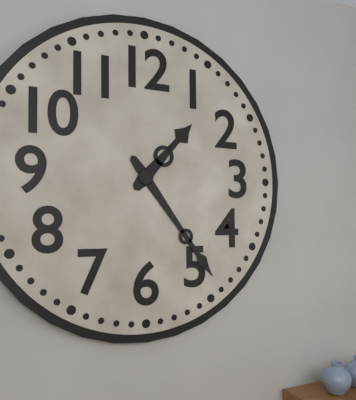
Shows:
1,24
